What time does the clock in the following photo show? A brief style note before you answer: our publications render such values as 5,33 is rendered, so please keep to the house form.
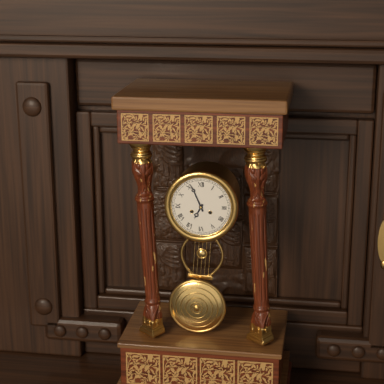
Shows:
6,56
